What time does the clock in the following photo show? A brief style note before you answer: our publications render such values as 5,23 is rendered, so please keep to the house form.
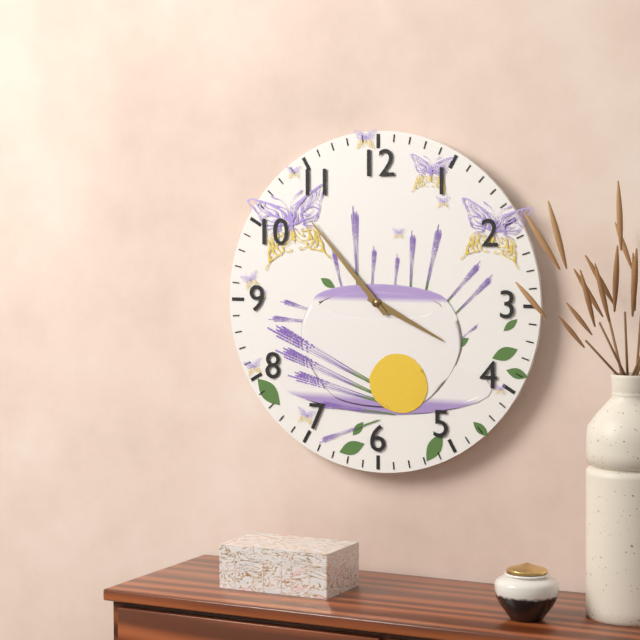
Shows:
3,53
